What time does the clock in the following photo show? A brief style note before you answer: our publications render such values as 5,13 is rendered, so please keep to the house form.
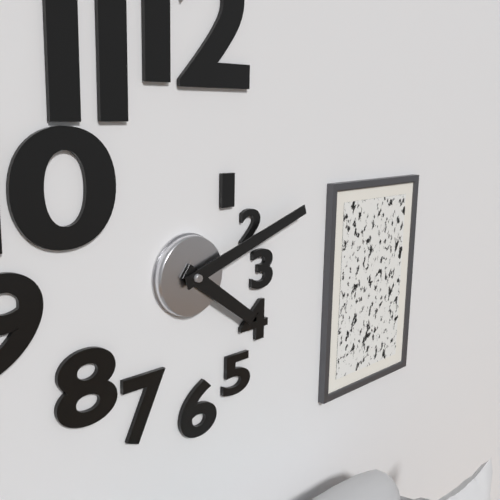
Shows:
4,12
